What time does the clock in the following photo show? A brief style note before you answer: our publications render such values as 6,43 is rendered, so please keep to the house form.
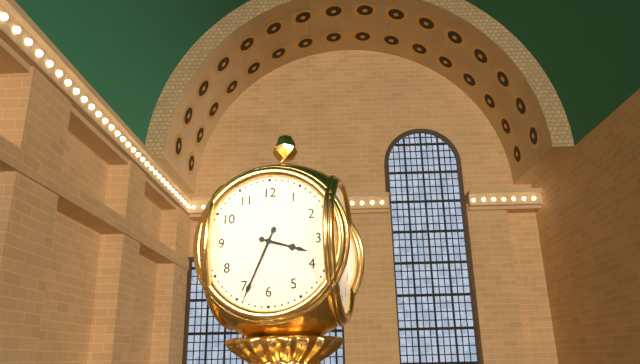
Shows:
3,34
